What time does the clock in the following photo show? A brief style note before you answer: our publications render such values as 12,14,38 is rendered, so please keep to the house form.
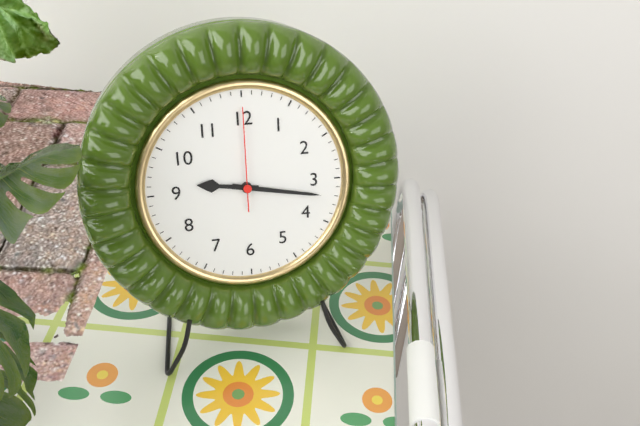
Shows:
9,17,00
